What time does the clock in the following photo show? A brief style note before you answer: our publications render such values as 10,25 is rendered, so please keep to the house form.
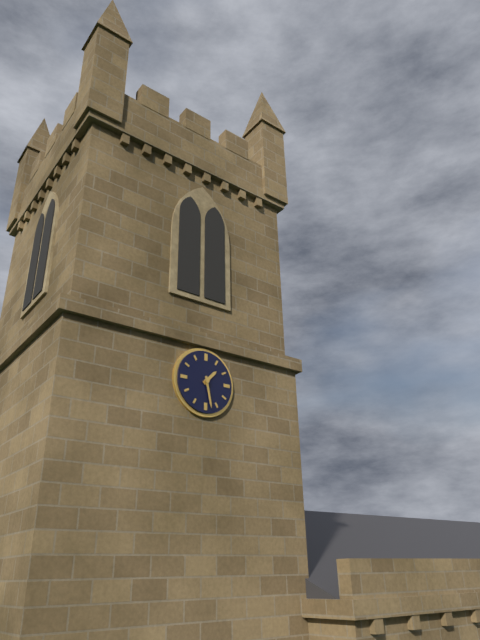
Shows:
1,28
